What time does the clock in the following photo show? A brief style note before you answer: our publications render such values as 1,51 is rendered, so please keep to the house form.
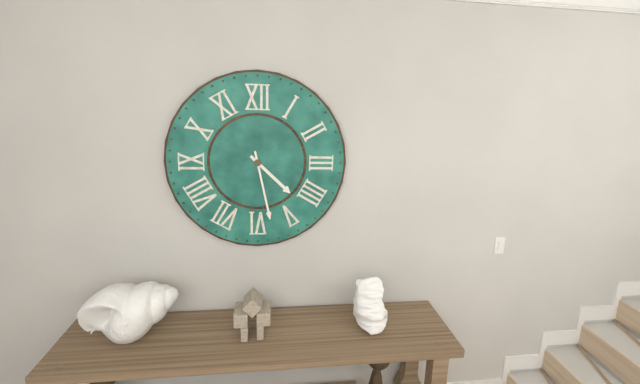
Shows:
4,28
